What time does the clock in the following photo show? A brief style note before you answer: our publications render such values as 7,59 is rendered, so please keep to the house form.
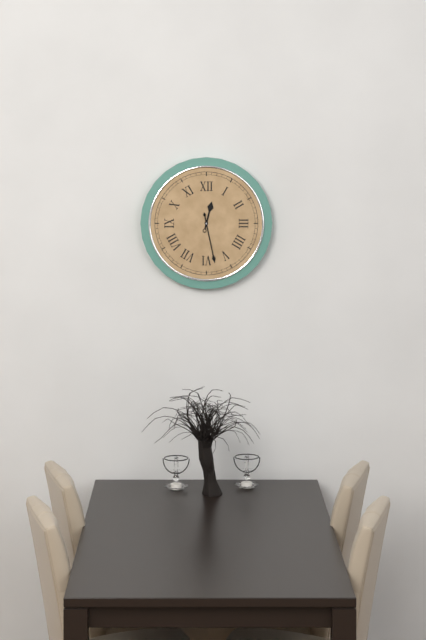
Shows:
12,28
